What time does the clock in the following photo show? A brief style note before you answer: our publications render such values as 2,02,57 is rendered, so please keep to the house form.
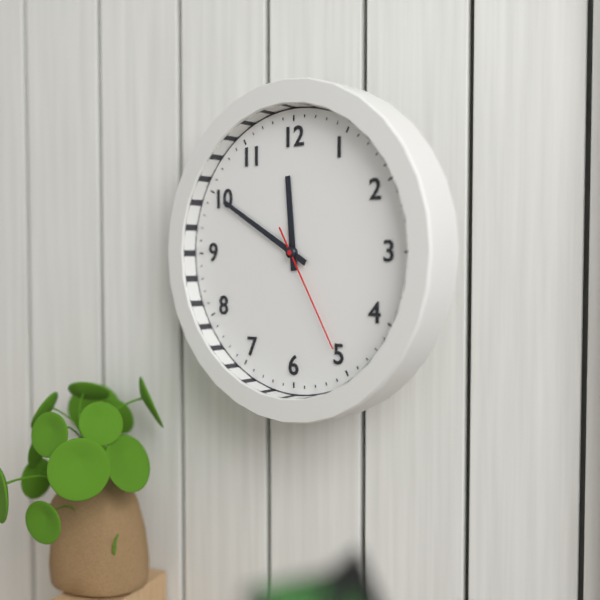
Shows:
11,50,25
